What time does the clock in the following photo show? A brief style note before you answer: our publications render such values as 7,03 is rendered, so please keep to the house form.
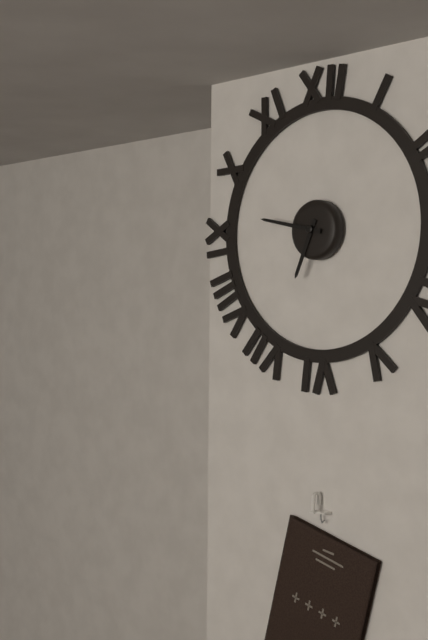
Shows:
6,47
